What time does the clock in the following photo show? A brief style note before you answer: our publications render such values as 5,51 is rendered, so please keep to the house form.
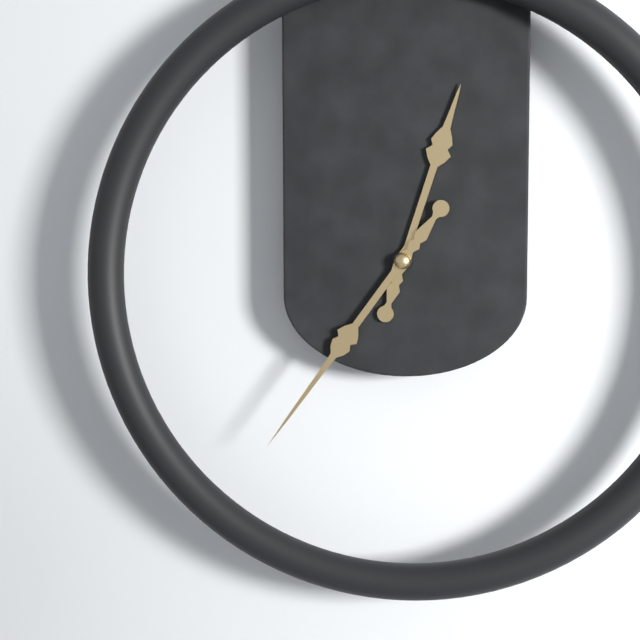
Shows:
12,36
